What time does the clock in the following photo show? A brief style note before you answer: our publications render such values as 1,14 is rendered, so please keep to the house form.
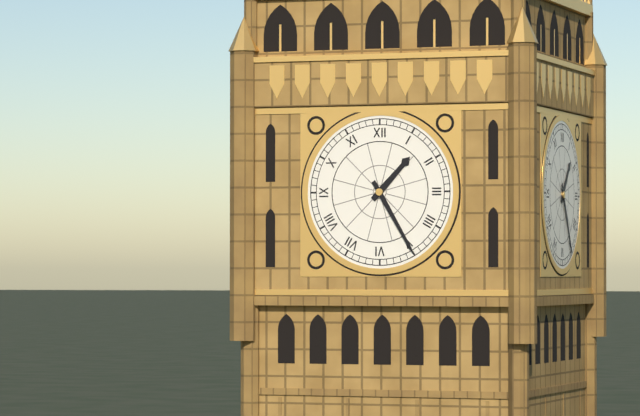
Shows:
1,25
